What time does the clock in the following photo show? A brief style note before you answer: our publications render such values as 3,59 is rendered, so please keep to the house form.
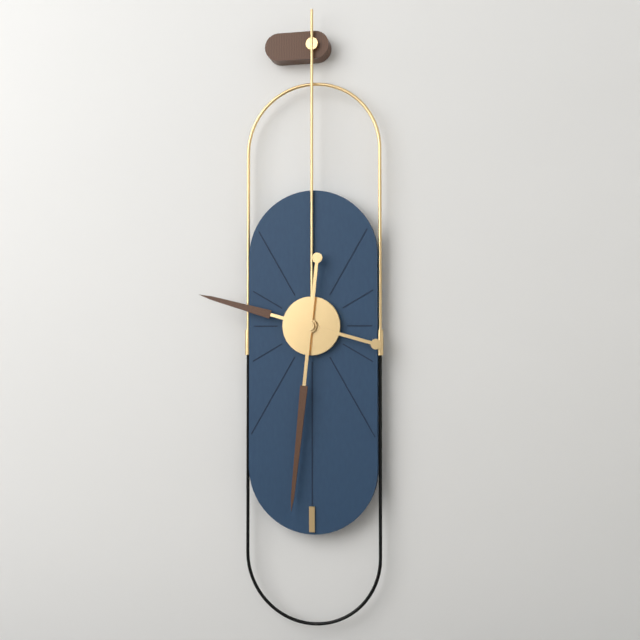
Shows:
9,31
